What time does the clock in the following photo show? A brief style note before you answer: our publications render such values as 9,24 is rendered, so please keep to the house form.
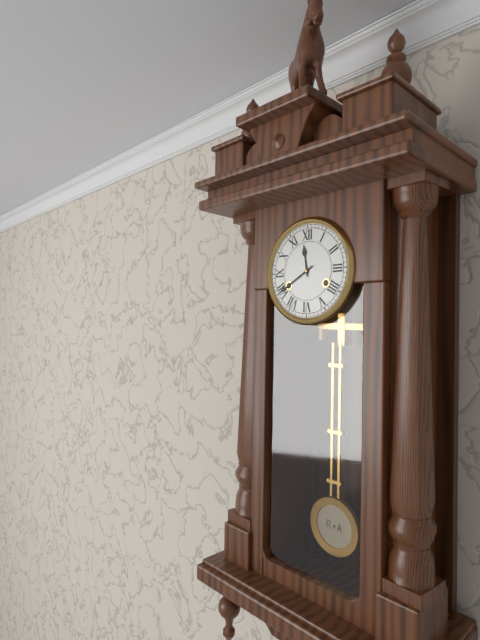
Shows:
11,40
